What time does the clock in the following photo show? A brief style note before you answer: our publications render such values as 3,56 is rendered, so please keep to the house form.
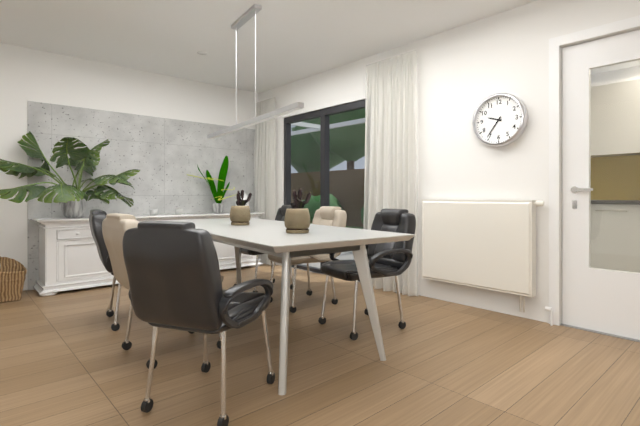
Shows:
9,36
